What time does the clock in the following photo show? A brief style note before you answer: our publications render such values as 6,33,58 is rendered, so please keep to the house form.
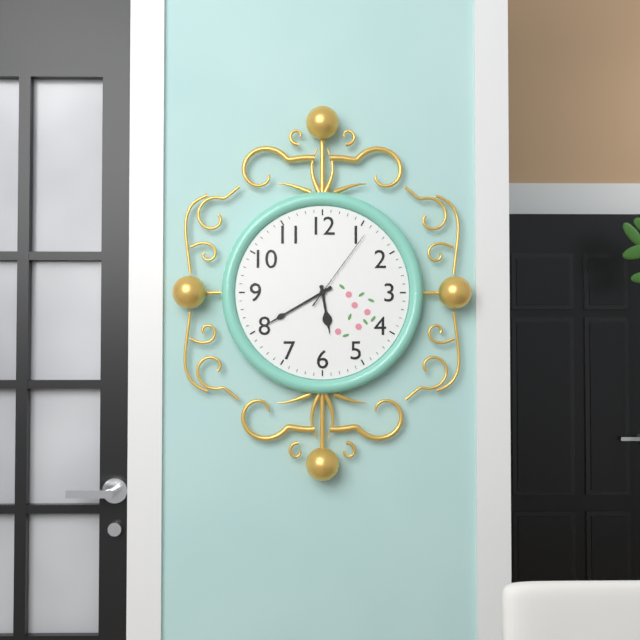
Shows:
5,40,06
